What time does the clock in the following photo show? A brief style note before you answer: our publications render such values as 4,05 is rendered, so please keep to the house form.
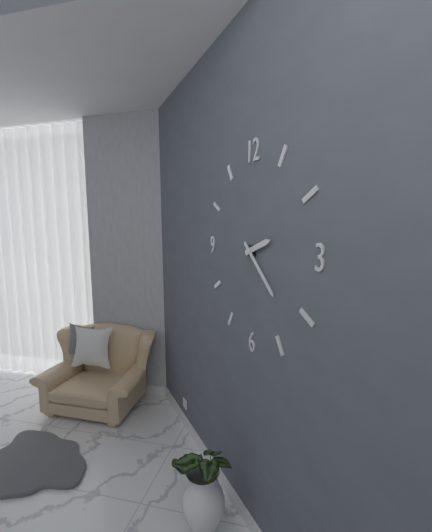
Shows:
2,22
